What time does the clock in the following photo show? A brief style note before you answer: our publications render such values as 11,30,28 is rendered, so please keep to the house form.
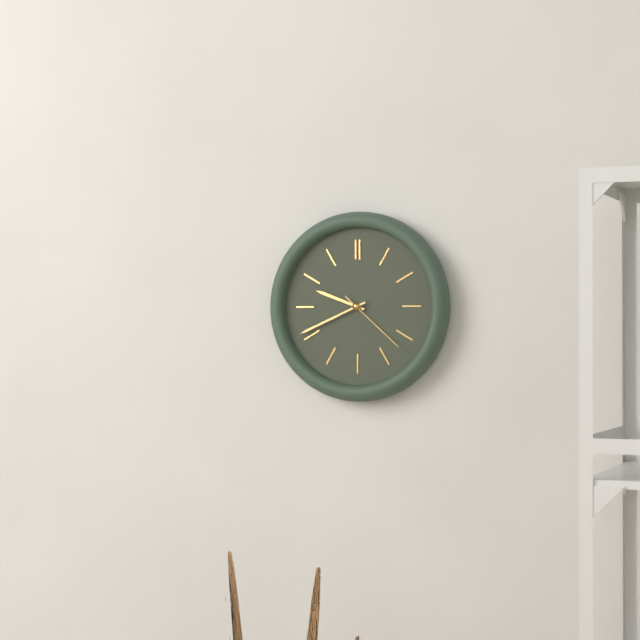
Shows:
9,41,22
